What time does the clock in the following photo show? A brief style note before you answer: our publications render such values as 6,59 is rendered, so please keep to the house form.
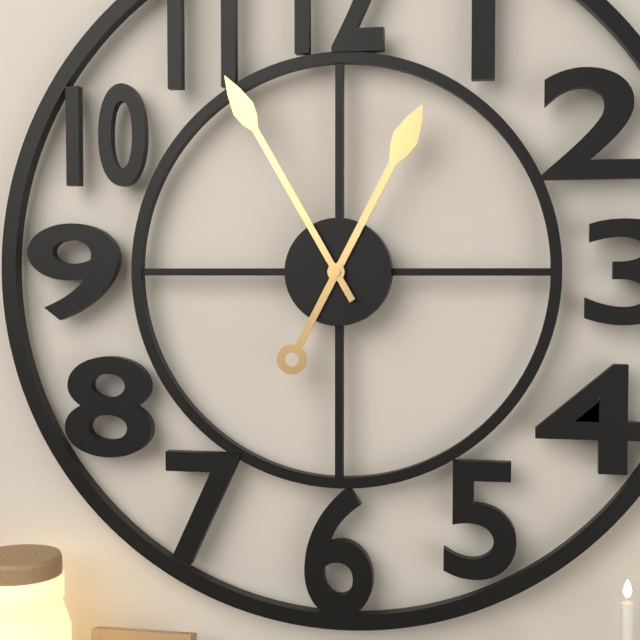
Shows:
12,55
